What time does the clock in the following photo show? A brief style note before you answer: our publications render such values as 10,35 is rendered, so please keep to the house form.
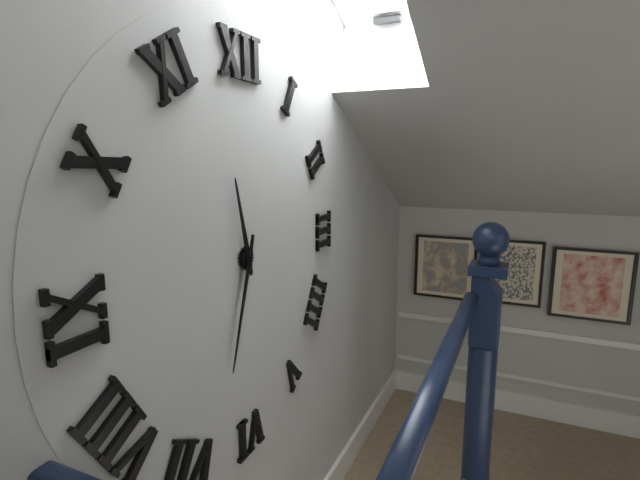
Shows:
11,33
